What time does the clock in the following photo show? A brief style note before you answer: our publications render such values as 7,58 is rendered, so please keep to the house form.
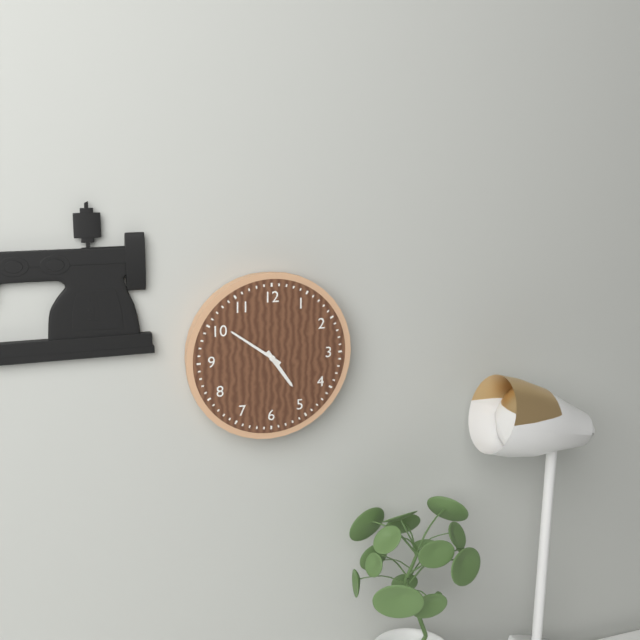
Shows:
4,51
